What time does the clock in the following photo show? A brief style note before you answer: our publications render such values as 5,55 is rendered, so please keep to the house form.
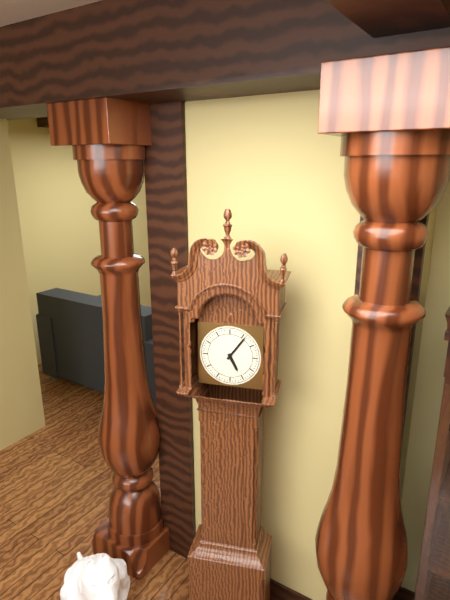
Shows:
5,06
